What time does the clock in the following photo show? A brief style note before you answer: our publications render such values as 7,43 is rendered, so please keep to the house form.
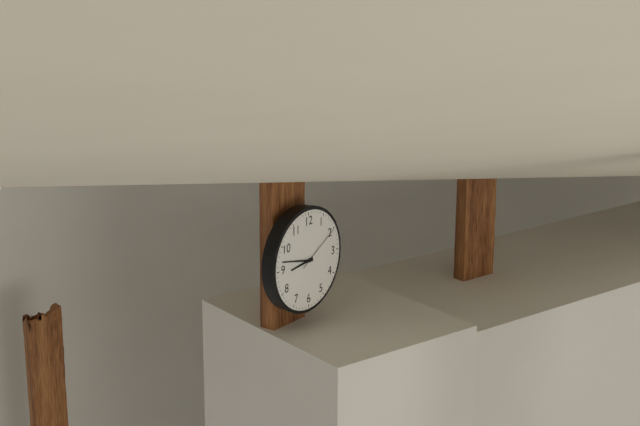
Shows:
8,47
